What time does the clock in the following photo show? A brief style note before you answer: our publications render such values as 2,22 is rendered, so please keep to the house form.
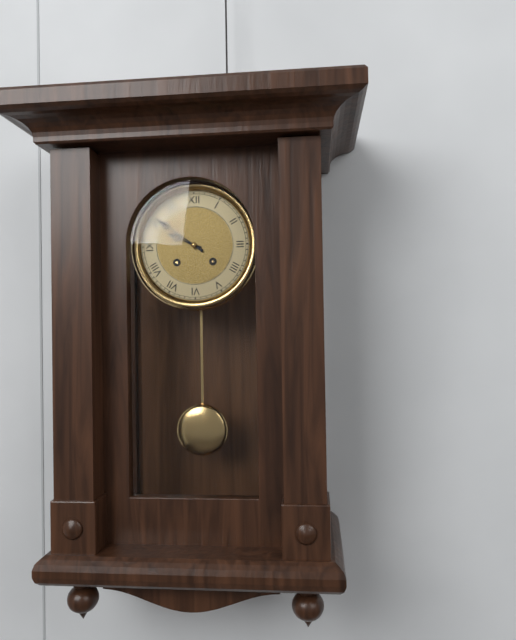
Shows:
9,51
